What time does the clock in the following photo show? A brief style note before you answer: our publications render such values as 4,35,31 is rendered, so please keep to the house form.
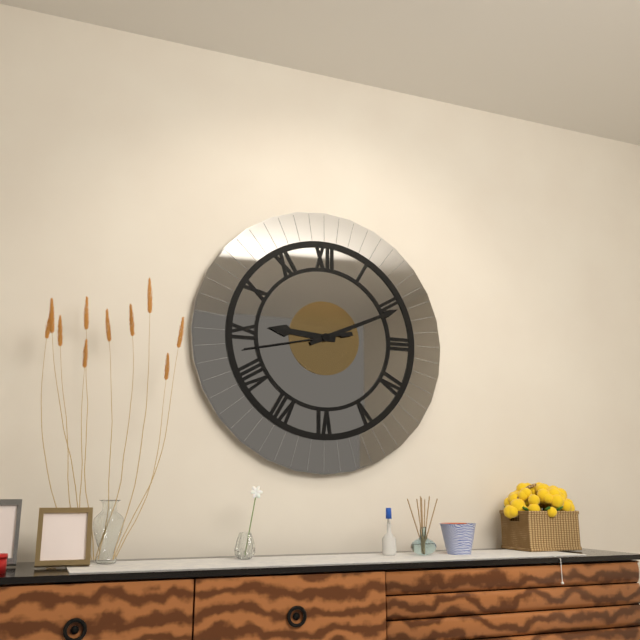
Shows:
9,11,43
